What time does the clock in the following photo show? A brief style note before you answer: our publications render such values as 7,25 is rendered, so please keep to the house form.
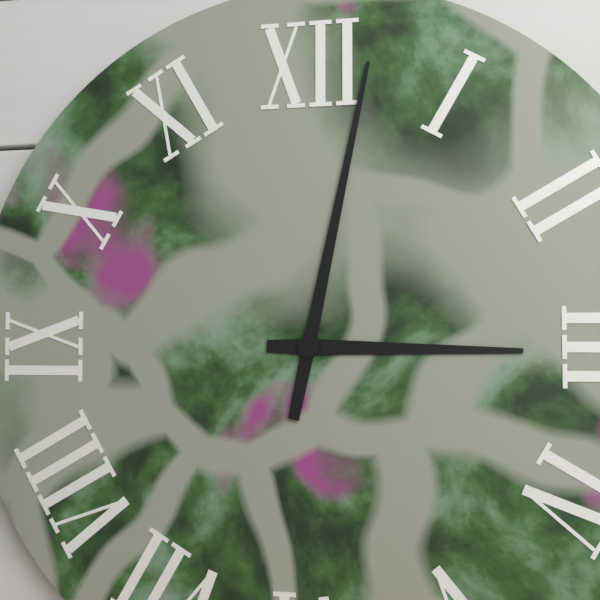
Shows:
3,02
